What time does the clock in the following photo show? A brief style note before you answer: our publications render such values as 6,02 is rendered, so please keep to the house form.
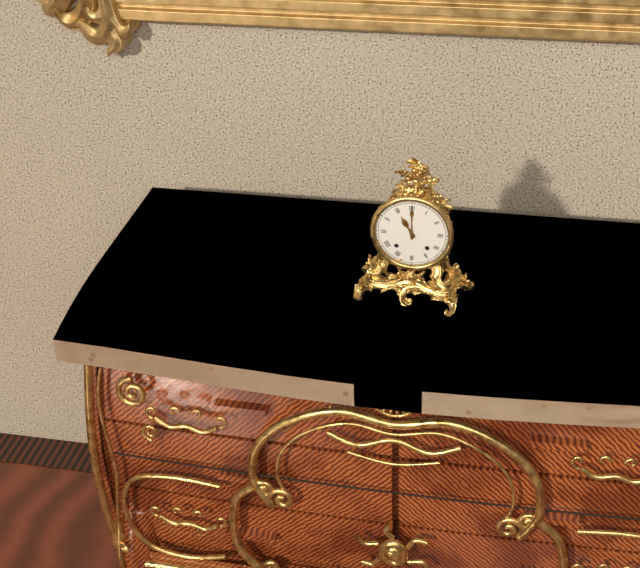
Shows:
11,00
